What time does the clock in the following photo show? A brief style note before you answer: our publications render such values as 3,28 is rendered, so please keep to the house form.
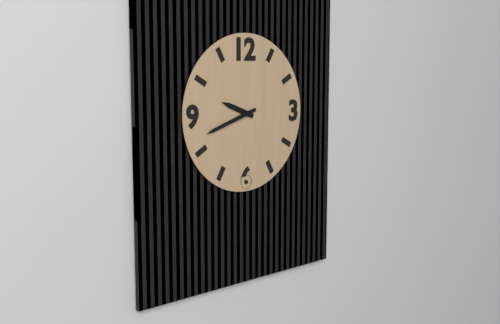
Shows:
9,42
